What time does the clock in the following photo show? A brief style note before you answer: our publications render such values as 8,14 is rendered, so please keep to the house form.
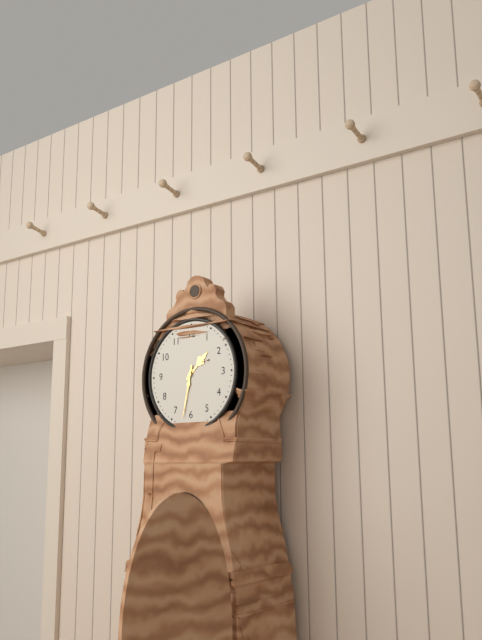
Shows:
1,32
